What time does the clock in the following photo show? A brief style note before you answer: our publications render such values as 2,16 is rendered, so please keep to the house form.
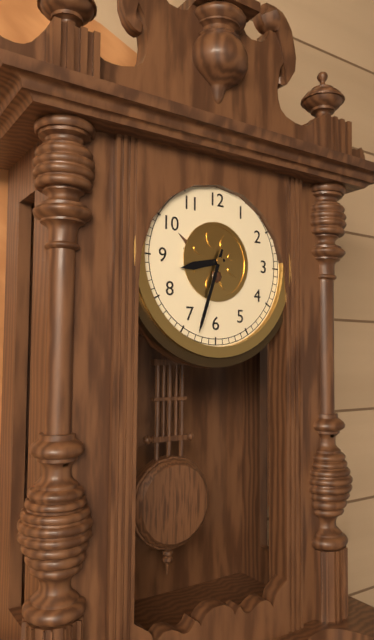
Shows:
8,33
